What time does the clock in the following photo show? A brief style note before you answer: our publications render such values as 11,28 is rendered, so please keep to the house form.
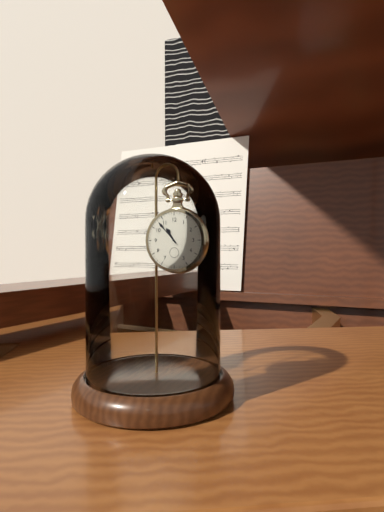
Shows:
10,53
